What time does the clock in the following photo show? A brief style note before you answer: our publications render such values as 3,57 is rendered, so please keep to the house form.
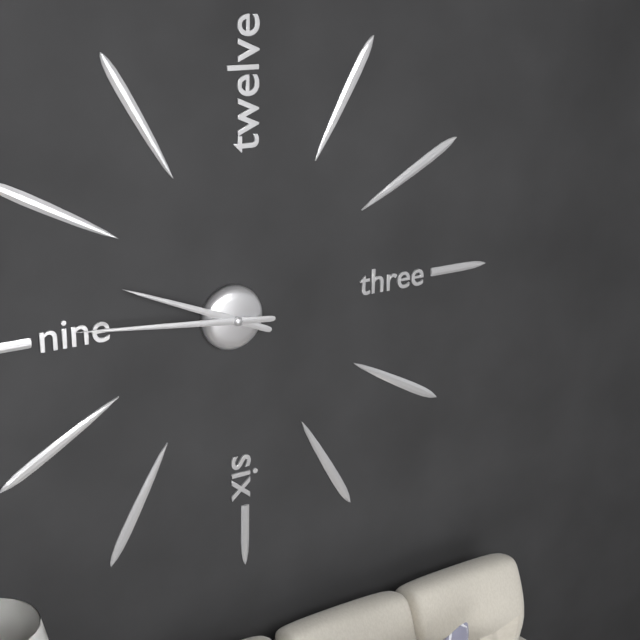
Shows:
9,46
